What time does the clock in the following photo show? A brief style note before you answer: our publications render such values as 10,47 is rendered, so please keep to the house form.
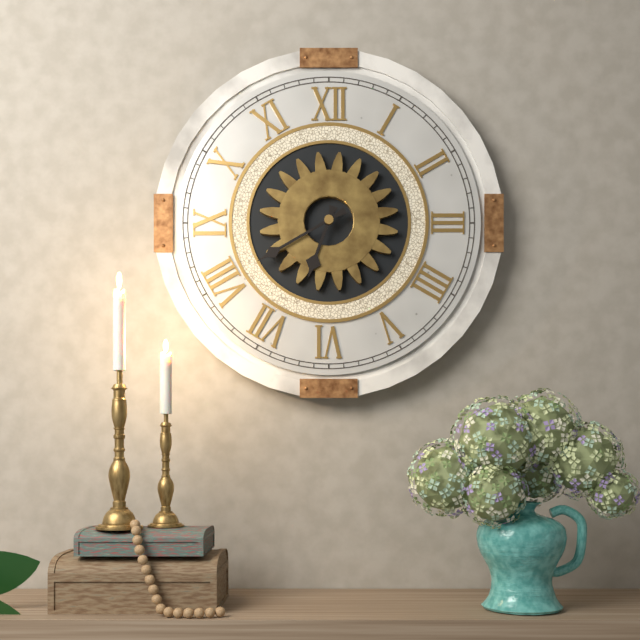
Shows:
6,40
